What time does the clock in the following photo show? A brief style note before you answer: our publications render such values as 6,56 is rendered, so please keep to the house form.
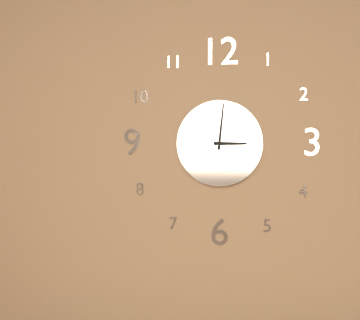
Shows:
3,01
